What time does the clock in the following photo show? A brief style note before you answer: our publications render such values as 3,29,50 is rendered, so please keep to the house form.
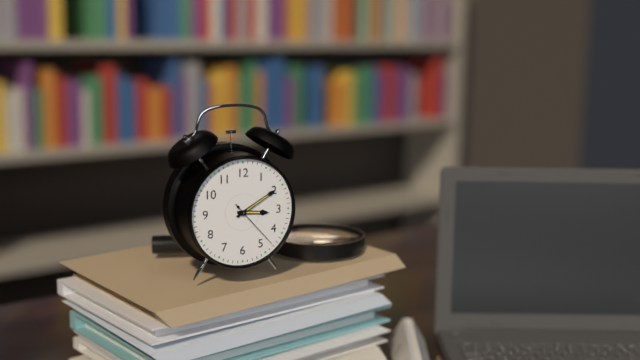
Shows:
3,10,23
